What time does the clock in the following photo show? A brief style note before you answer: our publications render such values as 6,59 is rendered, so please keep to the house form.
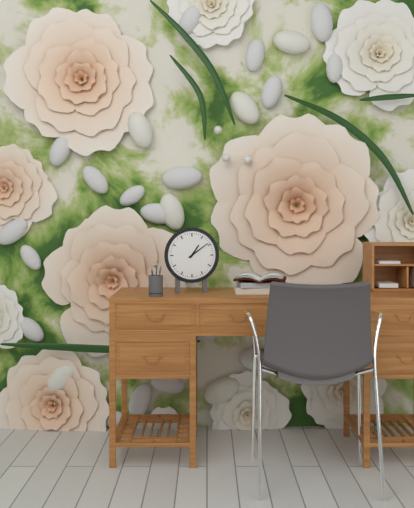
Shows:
1,09
